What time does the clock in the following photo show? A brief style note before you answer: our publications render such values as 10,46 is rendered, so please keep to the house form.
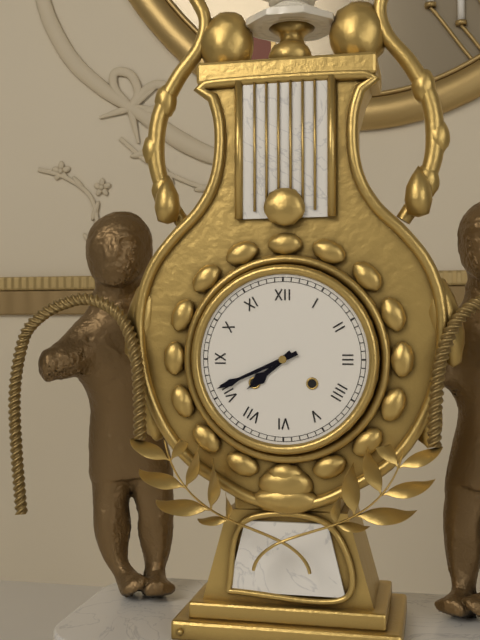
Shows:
7,41
